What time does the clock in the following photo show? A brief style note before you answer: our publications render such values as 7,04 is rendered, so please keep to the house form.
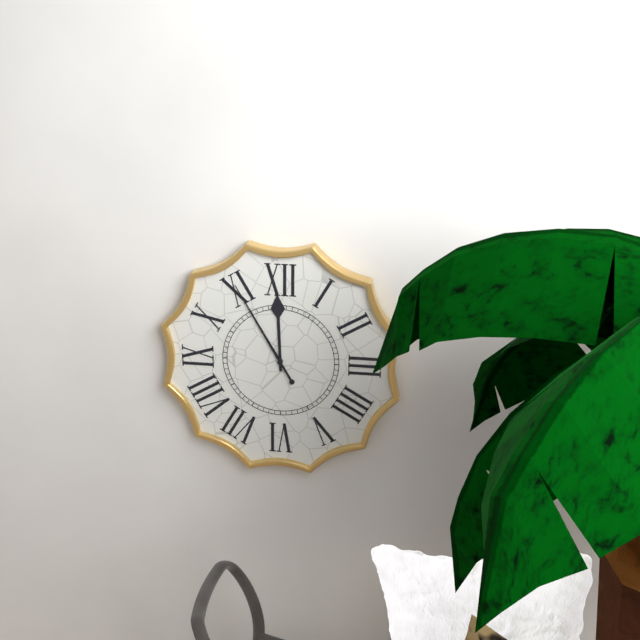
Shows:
11,55
